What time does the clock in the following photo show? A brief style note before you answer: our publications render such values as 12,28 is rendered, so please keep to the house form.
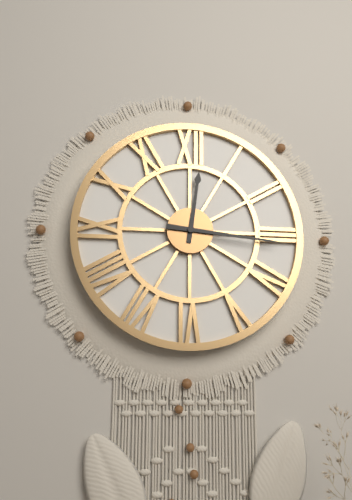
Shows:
12,16
